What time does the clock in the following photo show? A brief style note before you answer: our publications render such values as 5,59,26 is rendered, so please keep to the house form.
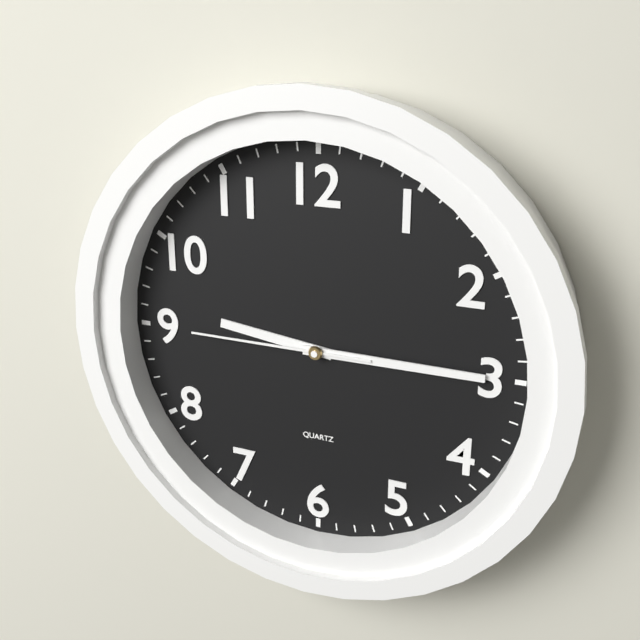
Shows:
9,15,45
